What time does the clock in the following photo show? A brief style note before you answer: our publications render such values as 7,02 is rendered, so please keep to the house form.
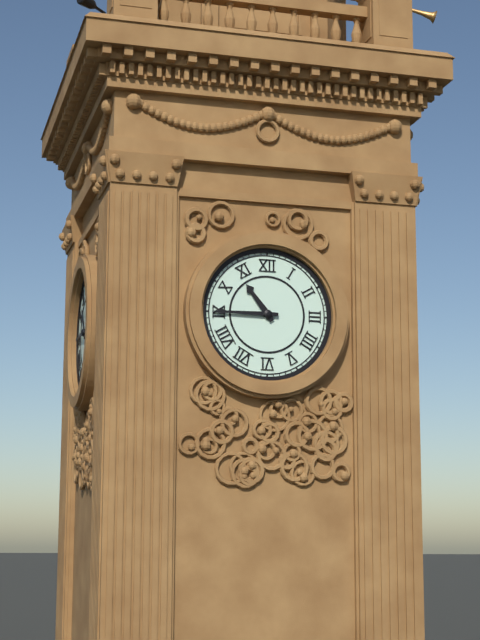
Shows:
10,45
